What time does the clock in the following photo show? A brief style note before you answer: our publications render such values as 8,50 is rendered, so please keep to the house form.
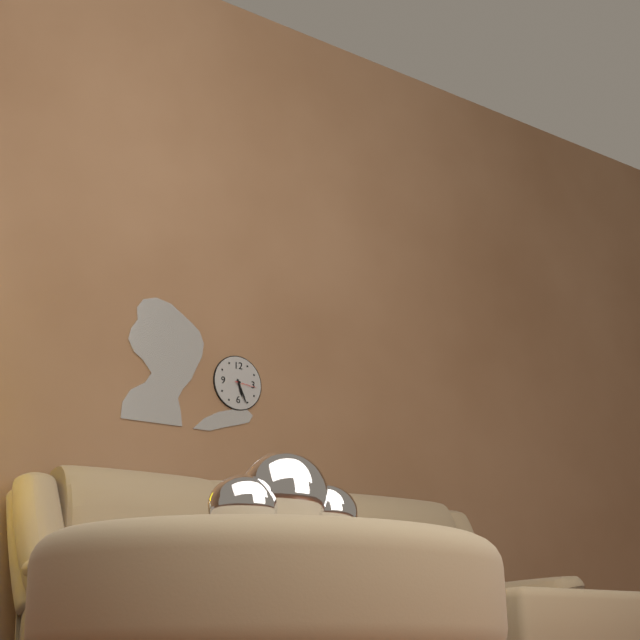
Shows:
5,26
